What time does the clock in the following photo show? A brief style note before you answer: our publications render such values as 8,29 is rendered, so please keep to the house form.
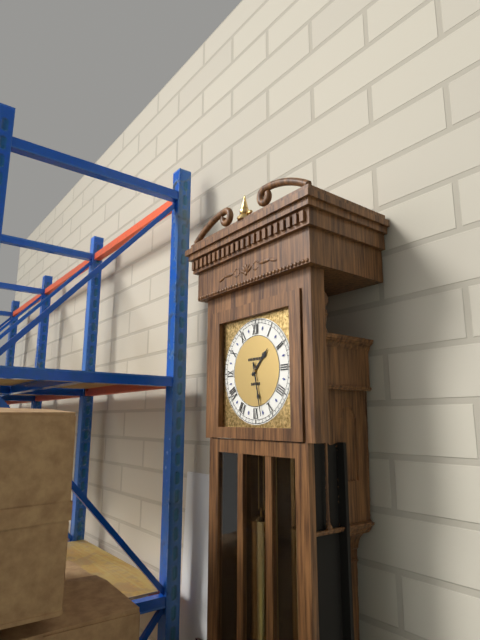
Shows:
1,28
